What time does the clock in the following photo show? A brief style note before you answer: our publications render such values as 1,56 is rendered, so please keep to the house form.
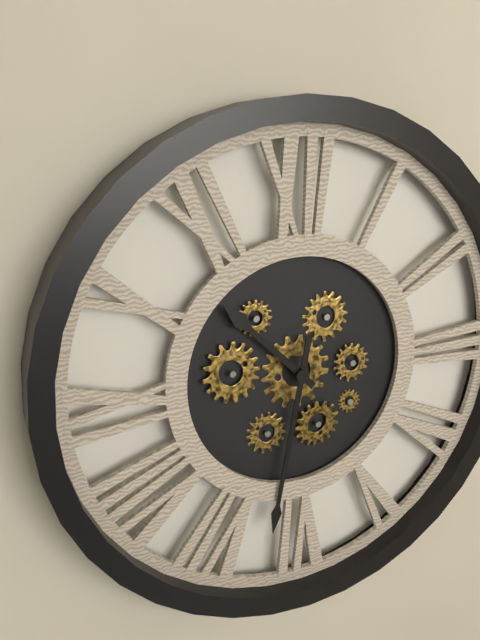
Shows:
10,32
